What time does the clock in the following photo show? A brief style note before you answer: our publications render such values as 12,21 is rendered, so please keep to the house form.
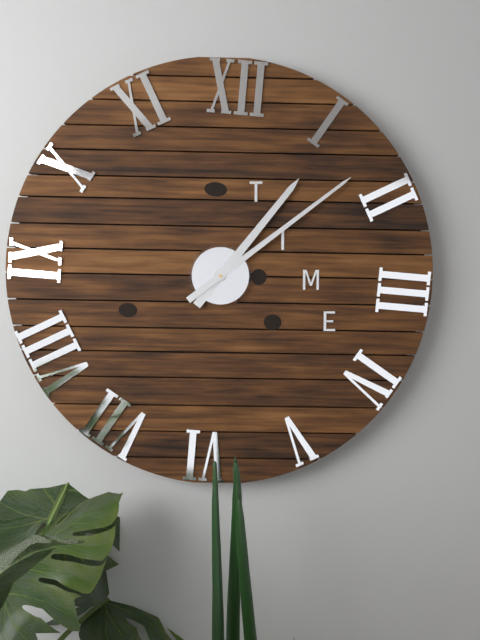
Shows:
1,08
